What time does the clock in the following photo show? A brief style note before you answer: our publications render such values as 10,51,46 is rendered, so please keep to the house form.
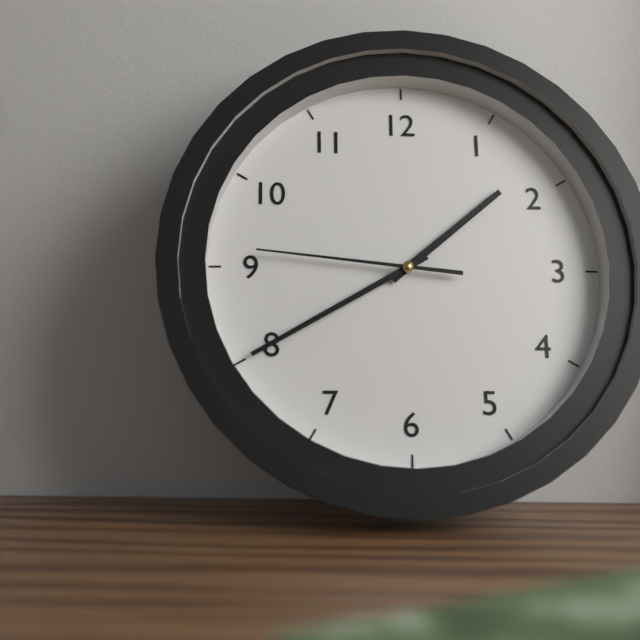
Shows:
1,40,46
